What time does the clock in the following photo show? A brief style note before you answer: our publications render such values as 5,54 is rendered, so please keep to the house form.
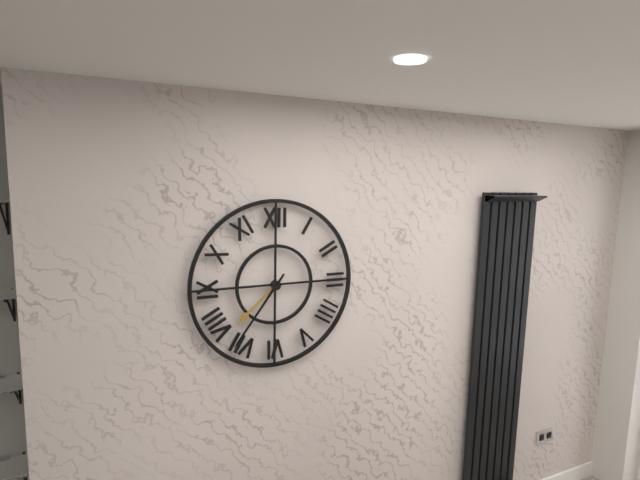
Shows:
7,36
